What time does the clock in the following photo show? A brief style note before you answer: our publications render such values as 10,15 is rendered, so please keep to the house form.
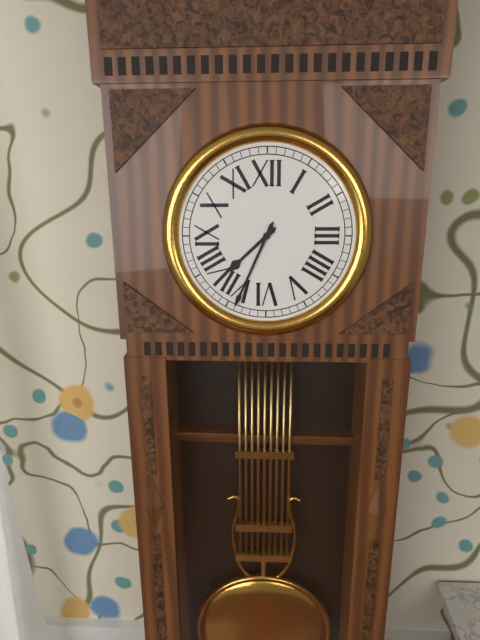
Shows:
7,34
